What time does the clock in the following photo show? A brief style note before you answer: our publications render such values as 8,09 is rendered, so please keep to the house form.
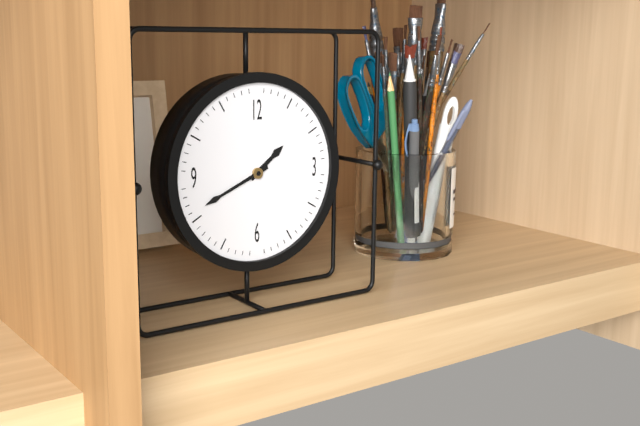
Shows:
1,41
